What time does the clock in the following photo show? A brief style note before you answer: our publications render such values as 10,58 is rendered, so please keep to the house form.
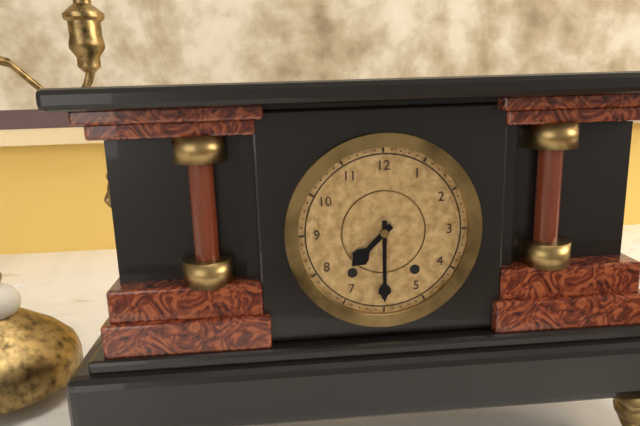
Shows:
7,30
